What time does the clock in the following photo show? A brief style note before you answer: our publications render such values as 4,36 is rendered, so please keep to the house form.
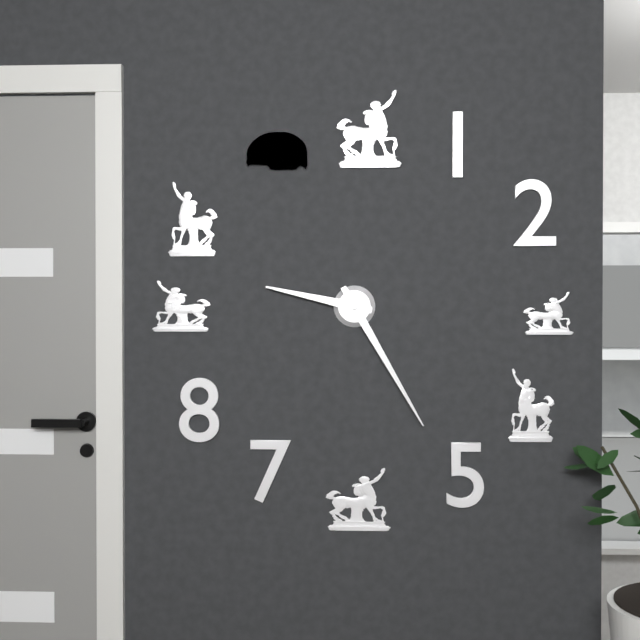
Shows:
9,25
